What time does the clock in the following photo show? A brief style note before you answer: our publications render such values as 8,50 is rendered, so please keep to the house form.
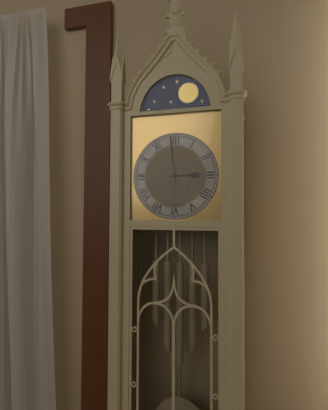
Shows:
2,59
